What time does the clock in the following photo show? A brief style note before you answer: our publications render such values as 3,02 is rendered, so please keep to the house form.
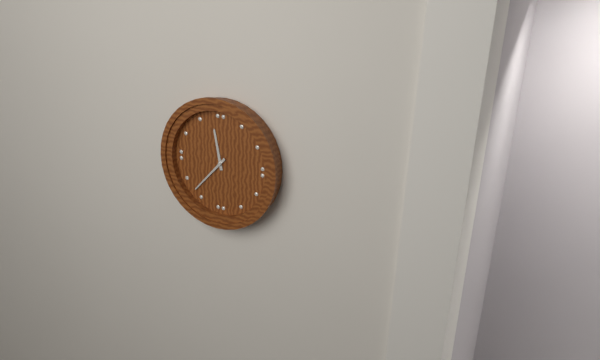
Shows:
11,37
